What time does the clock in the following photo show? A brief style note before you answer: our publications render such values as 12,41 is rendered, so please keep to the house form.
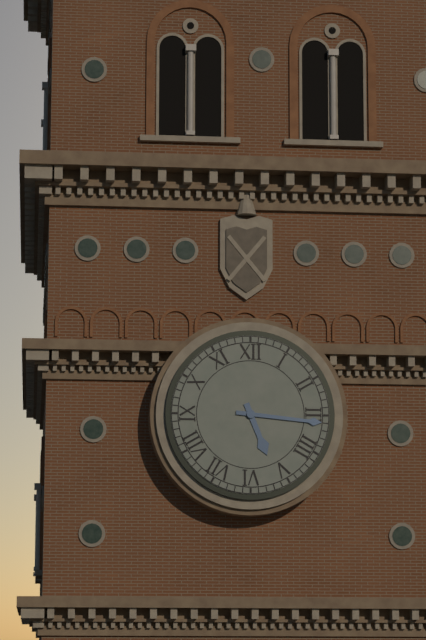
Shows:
5,16
